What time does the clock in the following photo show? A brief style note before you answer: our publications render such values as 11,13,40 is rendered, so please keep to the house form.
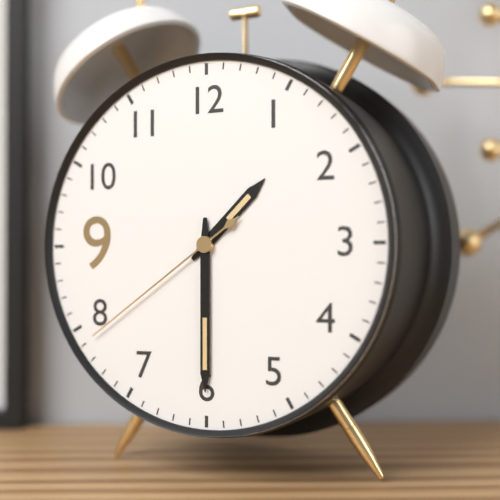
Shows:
1,30,39
